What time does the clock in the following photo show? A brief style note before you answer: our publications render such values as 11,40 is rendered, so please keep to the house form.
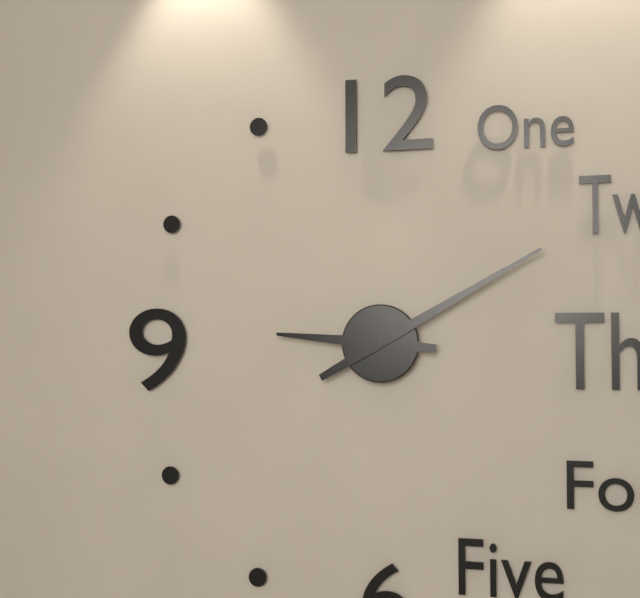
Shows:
9,10
